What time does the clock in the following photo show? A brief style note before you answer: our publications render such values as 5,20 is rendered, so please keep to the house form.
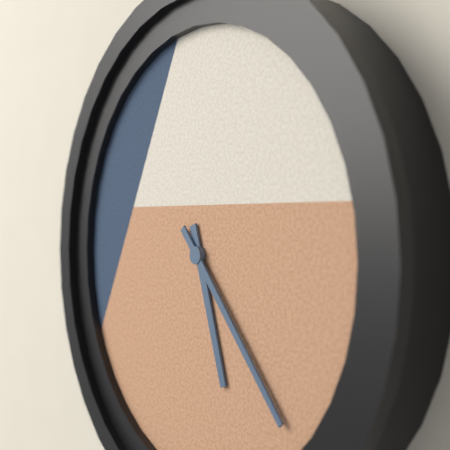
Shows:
5,23
